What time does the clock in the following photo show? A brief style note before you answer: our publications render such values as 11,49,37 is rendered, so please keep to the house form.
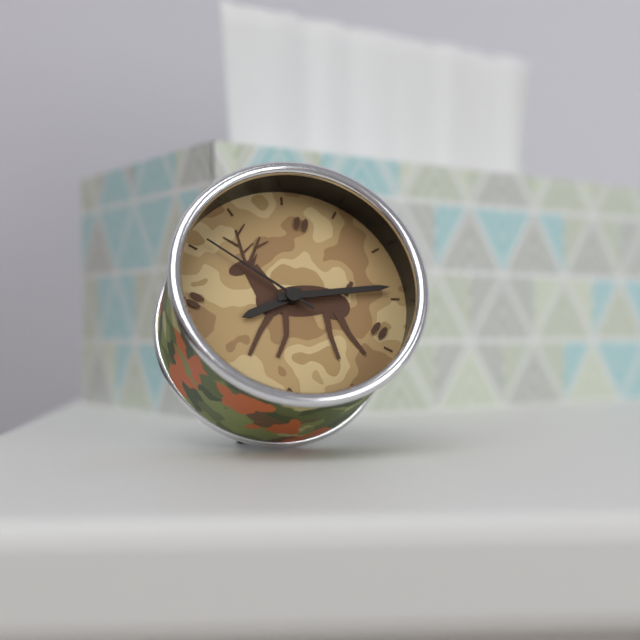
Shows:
8,14,51
